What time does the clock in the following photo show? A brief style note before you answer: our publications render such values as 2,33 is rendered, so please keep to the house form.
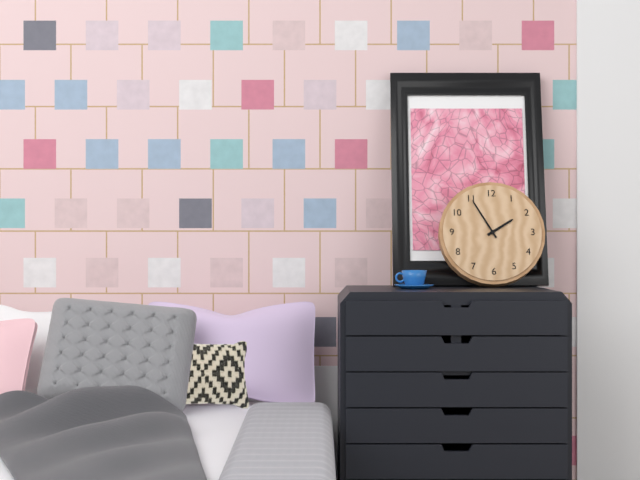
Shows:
1,55
